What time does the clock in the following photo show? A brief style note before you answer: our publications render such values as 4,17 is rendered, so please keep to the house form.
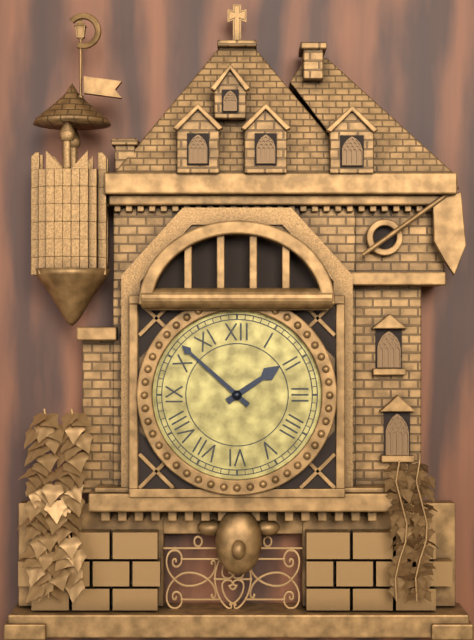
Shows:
1,52
